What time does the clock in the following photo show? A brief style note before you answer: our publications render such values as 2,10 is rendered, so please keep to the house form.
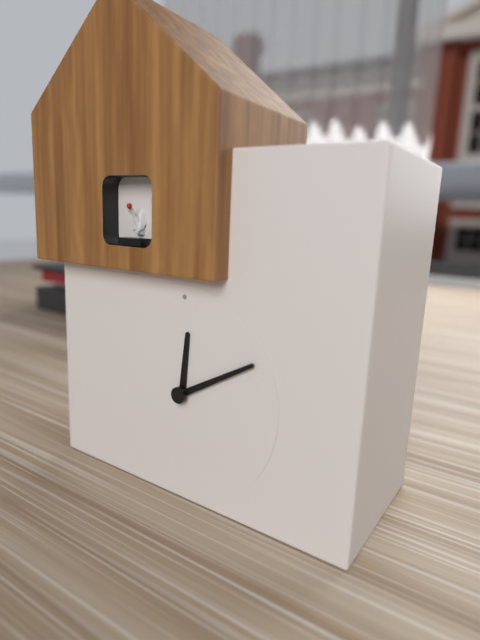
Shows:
12,10
